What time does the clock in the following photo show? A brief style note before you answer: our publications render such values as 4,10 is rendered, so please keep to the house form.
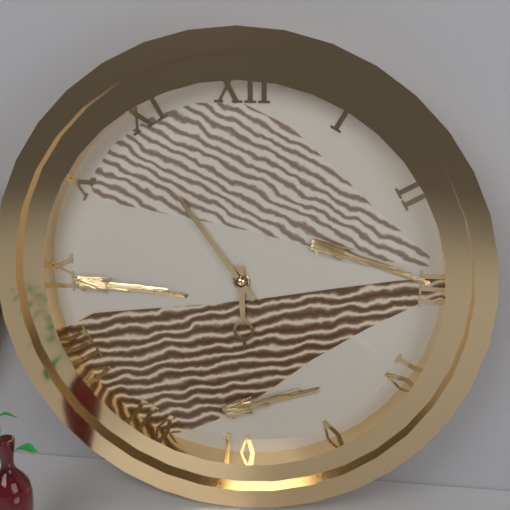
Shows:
5,54
